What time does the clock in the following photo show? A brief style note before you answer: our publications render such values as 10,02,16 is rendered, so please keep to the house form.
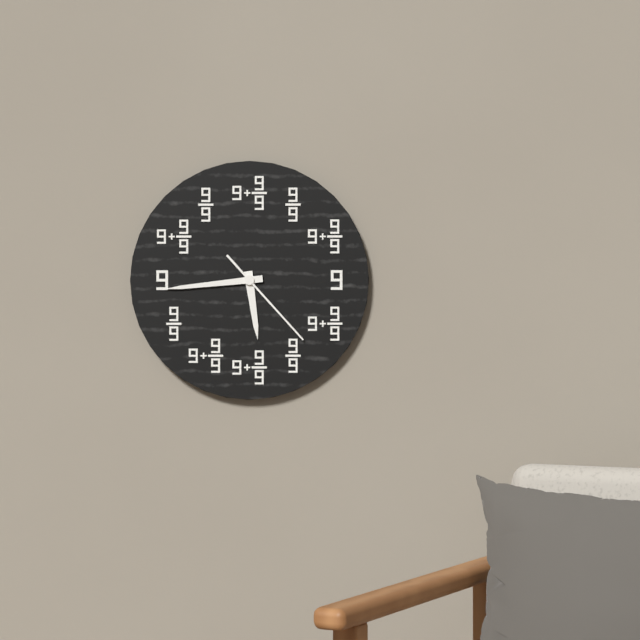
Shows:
5,44,23
